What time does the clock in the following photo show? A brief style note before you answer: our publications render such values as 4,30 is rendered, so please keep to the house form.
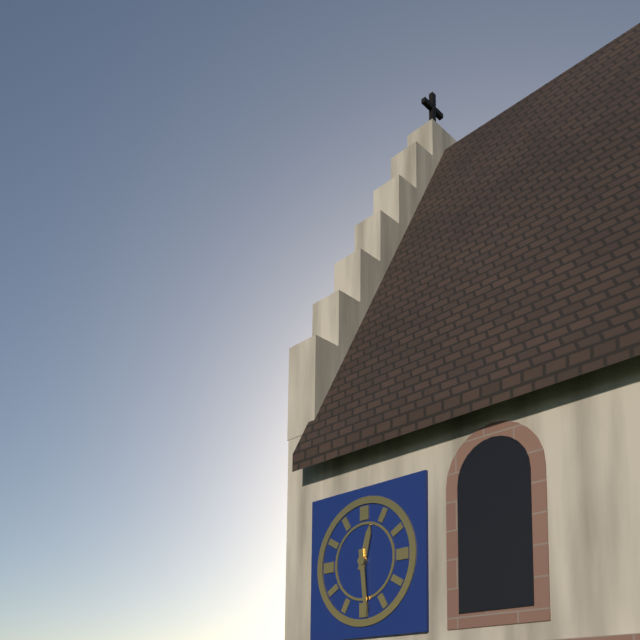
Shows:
12,29
